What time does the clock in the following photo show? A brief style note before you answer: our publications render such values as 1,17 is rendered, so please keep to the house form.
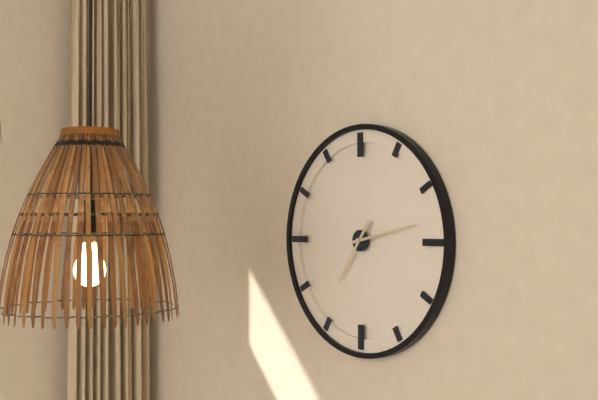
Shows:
7,13
